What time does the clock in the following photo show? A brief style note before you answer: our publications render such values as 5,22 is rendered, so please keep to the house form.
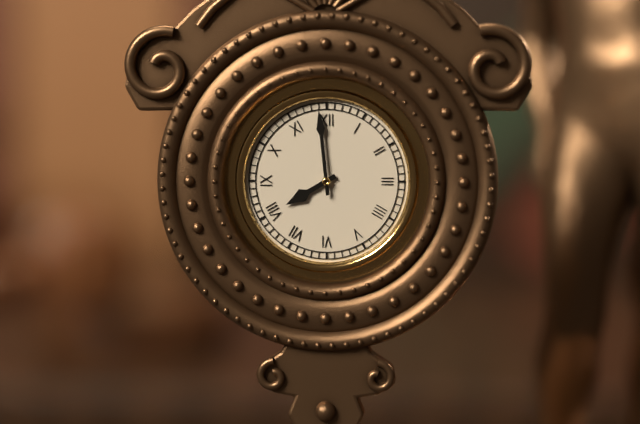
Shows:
7,59
